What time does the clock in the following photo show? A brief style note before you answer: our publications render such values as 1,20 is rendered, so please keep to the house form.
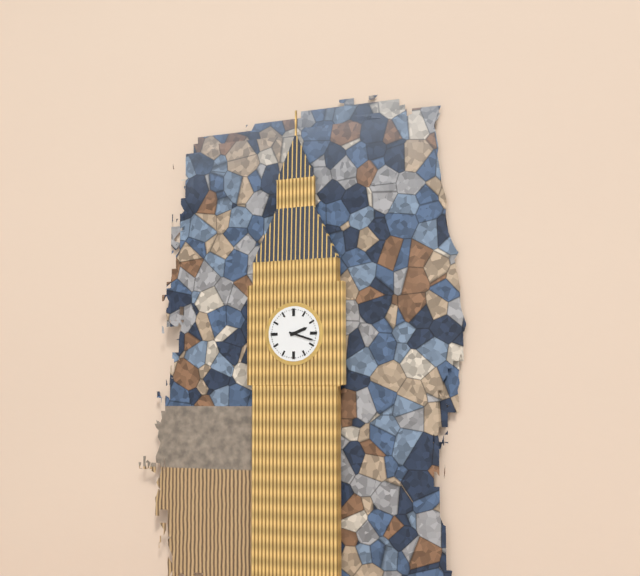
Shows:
2,18
